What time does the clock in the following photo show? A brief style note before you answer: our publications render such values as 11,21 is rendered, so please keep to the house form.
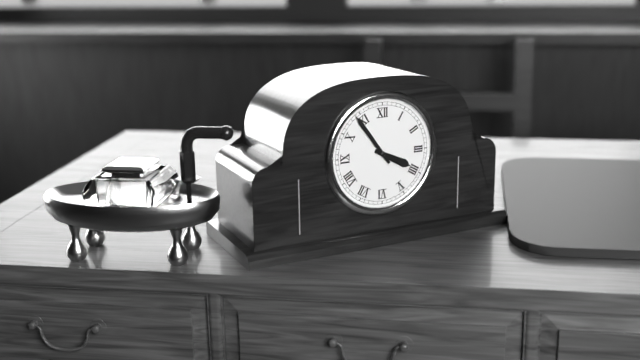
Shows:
3,54
